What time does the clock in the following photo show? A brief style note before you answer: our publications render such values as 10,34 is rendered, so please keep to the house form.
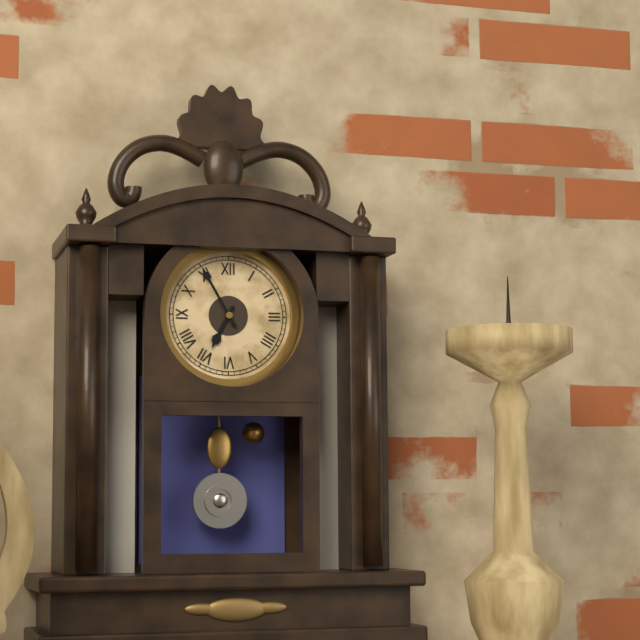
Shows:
6,55
